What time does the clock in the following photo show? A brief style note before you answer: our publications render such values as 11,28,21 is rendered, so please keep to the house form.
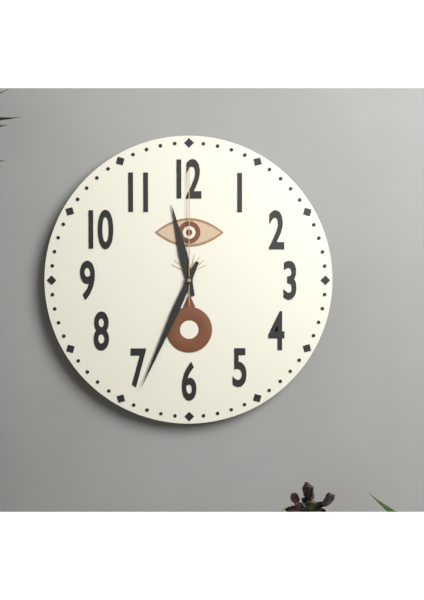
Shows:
11,34,00
